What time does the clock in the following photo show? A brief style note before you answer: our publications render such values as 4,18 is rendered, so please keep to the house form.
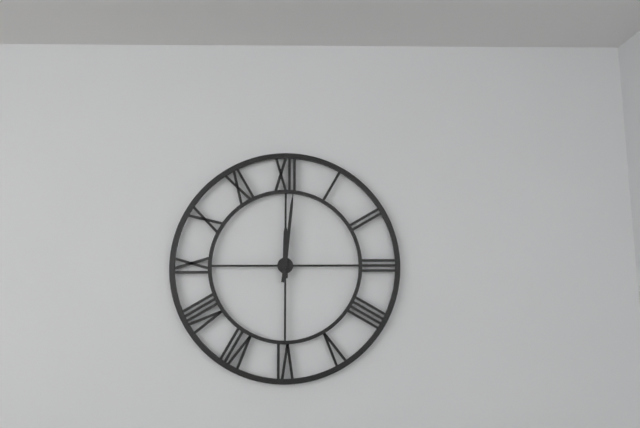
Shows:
12,01
